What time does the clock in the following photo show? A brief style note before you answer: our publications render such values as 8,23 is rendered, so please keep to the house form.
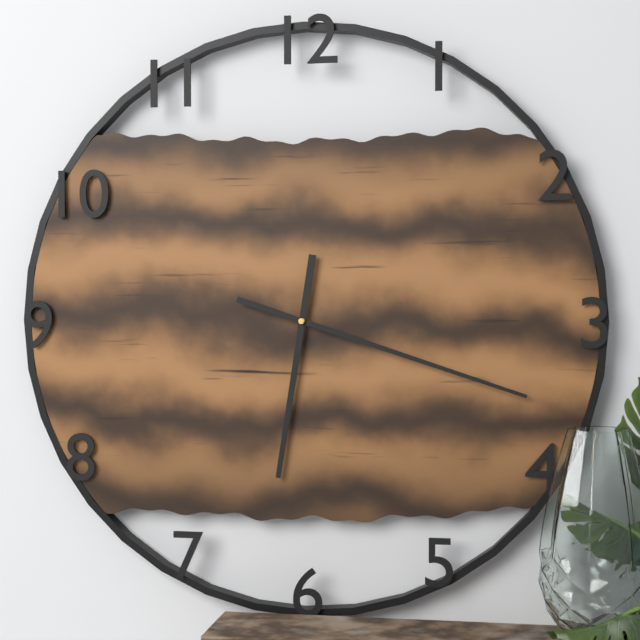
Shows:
6,18
